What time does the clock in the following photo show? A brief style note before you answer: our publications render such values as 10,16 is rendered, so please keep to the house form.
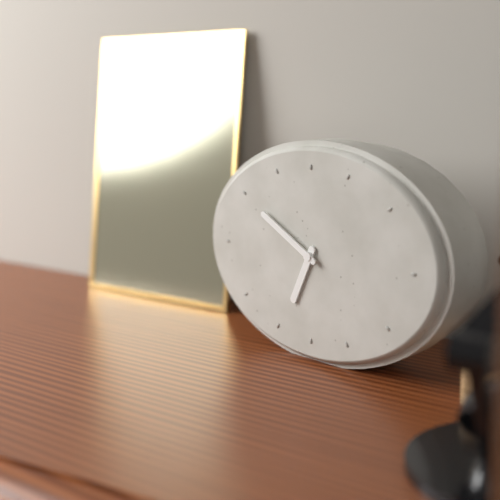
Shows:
6,50
